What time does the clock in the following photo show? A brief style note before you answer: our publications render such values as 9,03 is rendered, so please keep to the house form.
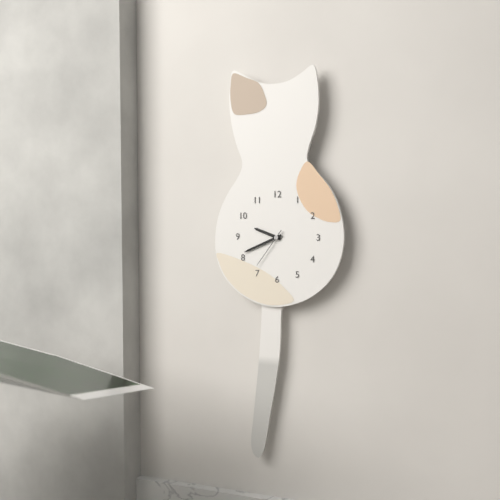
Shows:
9,41
